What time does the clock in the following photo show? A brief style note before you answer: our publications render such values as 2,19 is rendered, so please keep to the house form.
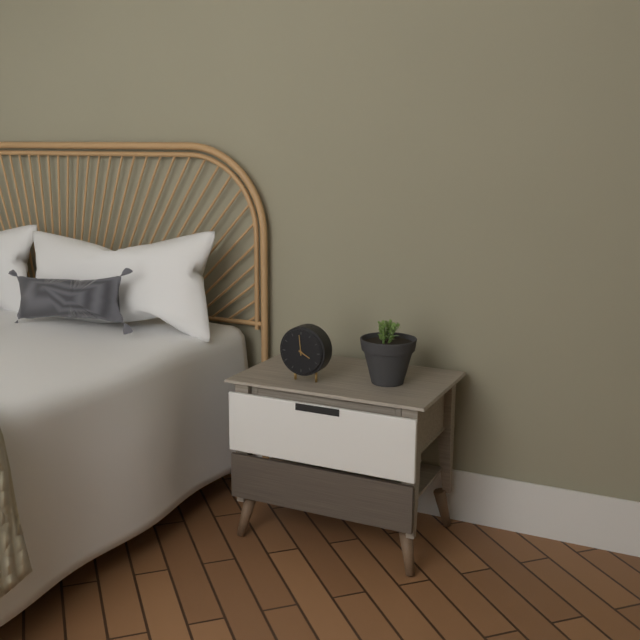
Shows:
3,59
